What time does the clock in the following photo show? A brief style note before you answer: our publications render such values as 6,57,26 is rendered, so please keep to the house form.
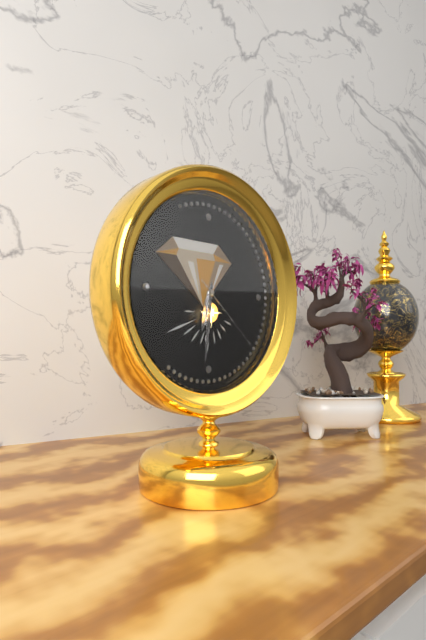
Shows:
6,31,22
